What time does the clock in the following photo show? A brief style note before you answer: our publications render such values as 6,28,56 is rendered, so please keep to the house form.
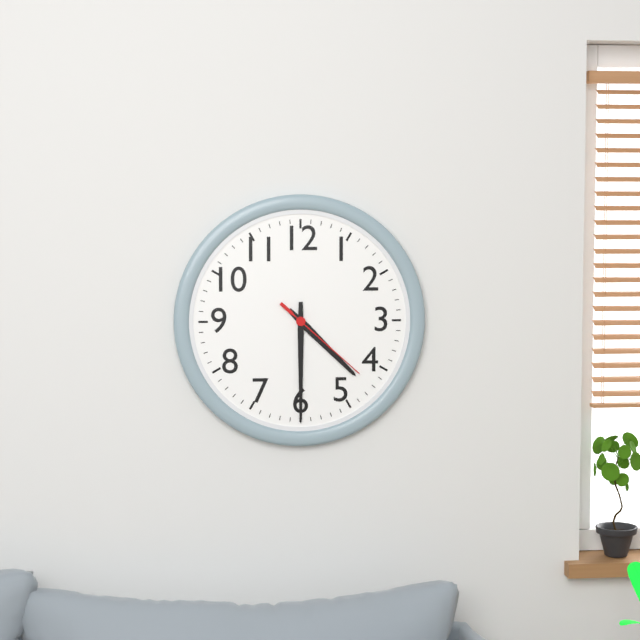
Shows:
4,30,22
